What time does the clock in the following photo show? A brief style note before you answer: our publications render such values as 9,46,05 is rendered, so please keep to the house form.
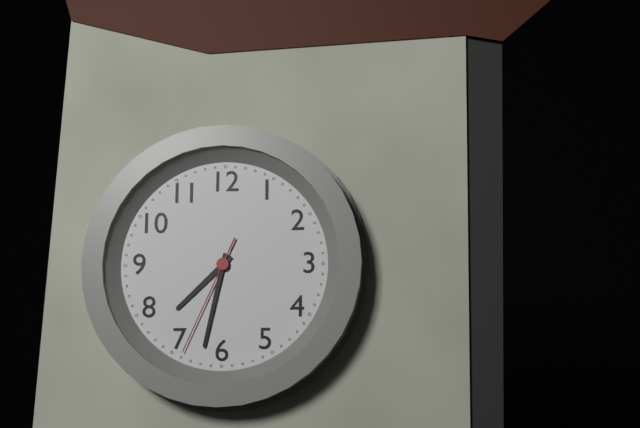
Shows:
7,32,34
